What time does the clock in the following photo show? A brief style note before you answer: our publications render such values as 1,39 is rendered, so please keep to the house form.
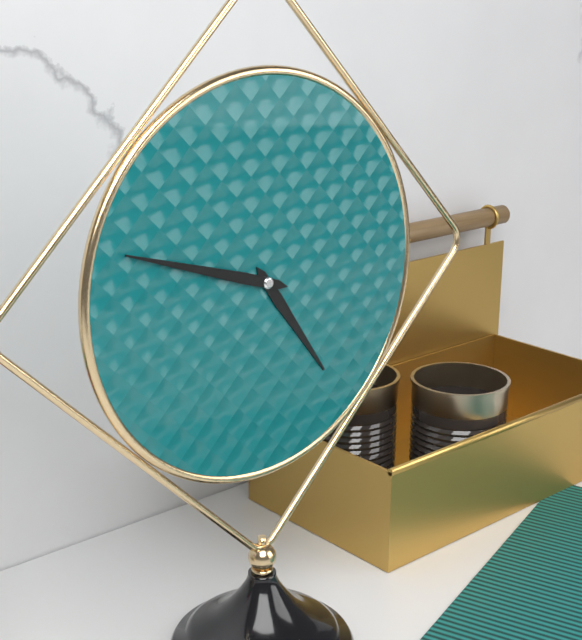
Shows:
4,48
